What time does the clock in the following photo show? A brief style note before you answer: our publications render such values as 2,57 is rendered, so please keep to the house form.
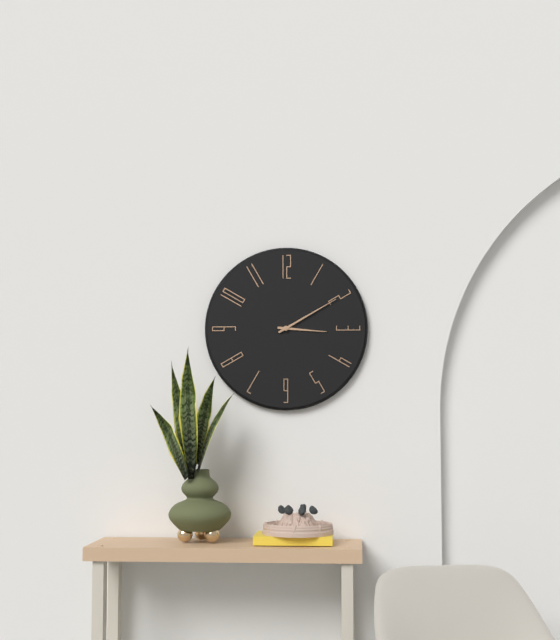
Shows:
3,10
